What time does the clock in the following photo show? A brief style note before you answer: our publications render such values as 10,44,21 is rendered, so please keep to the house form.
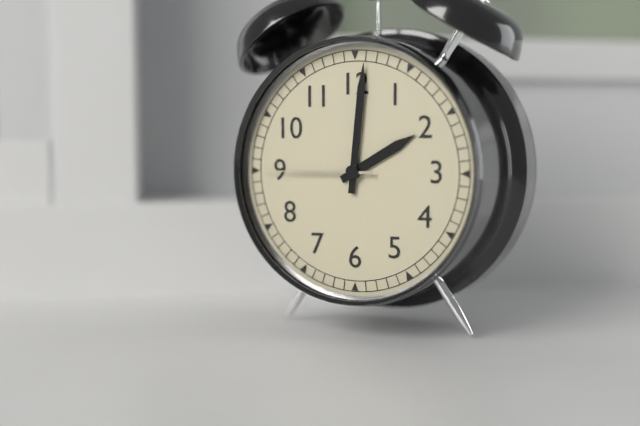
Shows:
2,01,45
